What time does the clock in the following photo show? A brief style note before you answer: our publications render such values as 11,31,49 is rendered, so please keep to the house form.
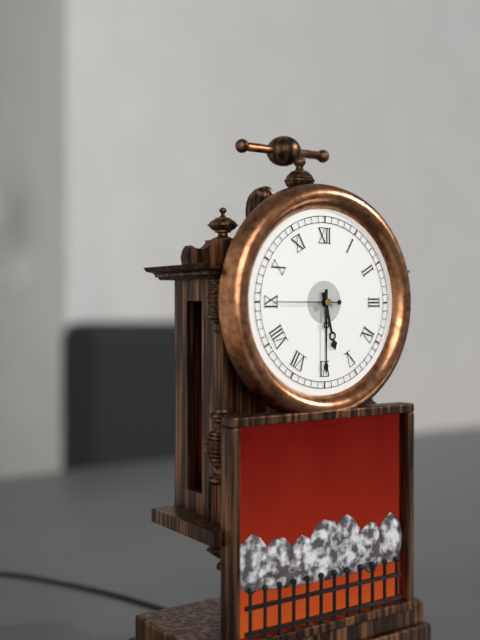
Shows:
5,30,45
